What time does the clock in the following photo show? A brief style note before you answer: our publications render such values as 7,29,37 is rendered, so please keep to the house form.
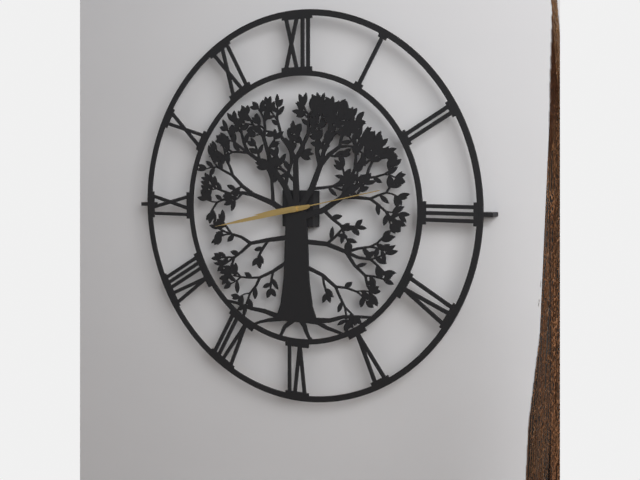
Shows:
8,43,13
